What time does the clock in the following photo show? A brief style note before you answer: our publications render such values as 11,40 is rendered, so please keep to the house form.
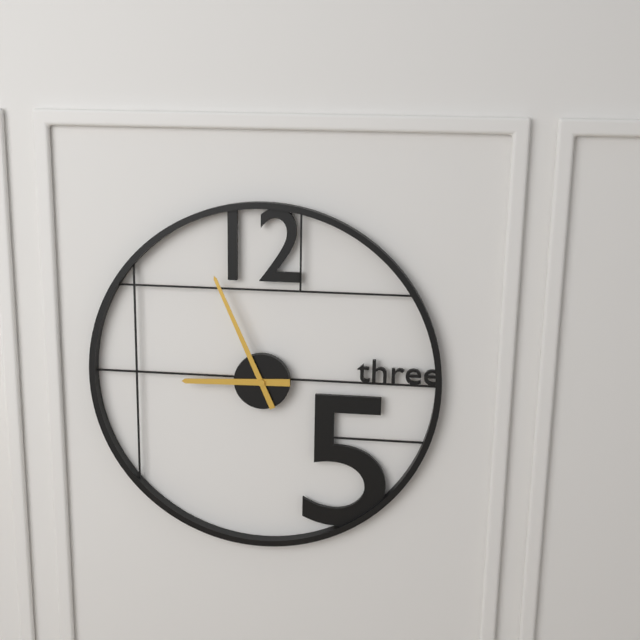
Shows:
8,56
